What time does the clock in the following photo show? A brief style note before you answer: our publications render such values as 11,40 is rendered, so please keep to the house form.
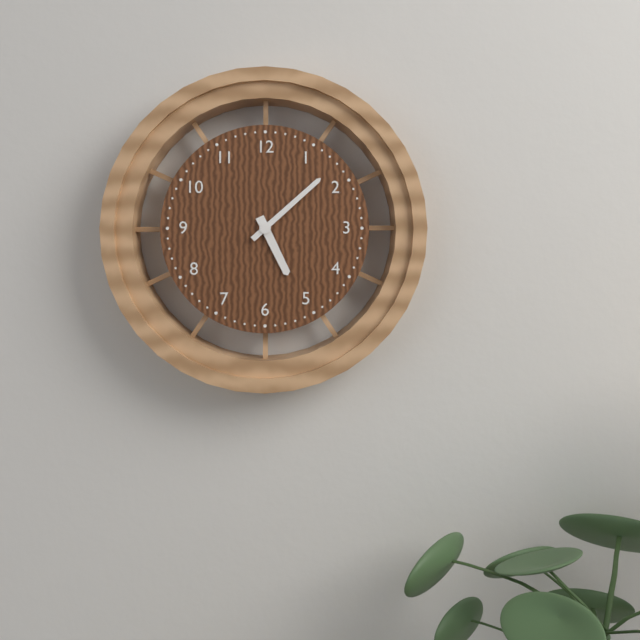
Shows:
5,08
